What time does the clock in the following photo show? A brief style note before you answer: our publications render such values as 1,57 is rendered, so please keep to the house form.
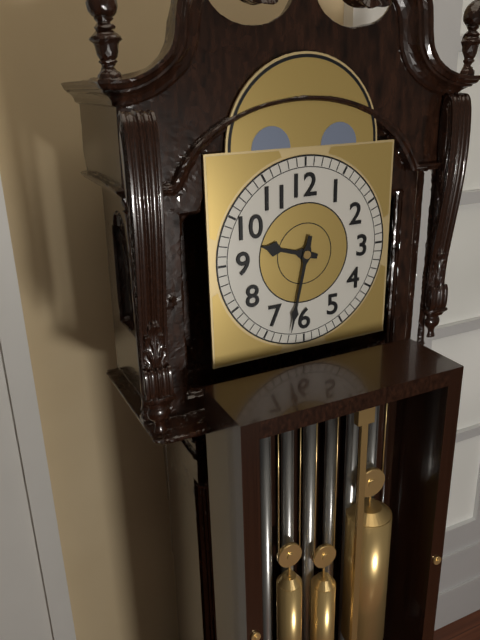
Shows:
9,32
